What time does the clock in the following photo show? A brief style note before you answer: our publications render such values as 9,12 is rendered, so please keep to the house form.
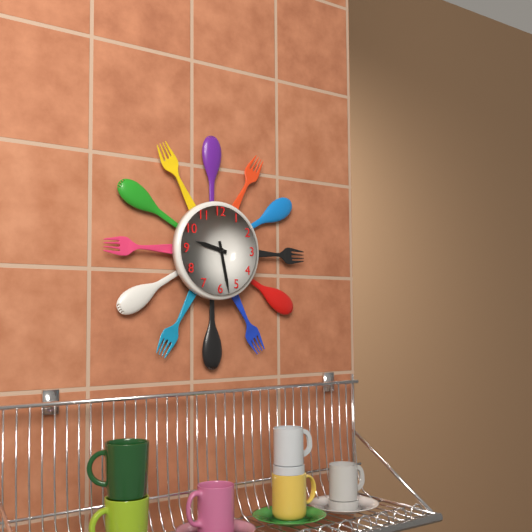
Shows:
9,28
